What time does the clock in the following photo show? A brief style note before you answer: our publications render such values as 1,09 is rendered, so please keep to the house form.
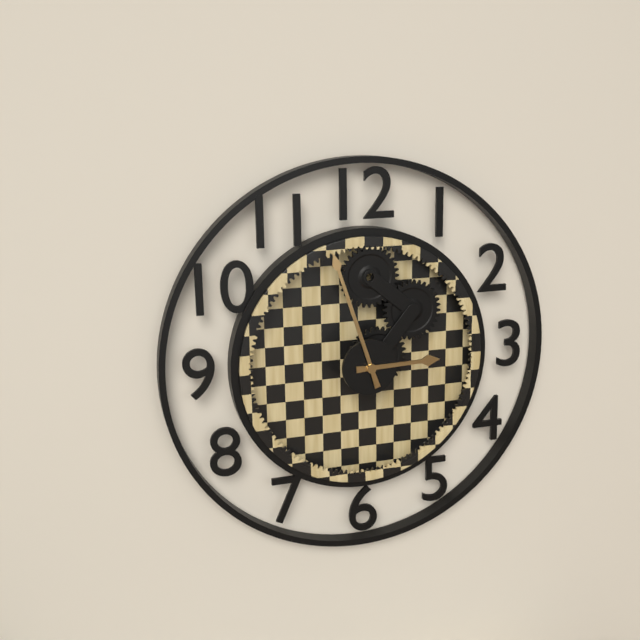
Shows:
2,57
